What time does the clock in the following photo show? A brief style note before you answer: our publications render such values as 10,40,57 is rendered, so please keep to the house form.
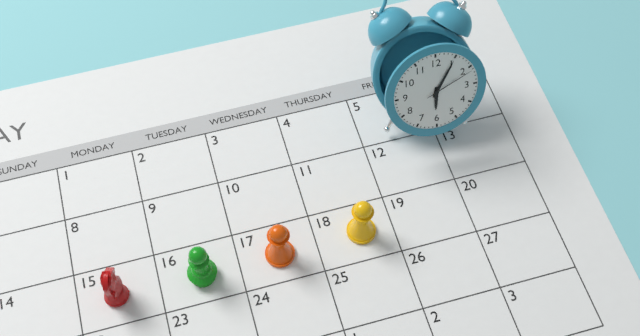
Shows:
6,05,11
